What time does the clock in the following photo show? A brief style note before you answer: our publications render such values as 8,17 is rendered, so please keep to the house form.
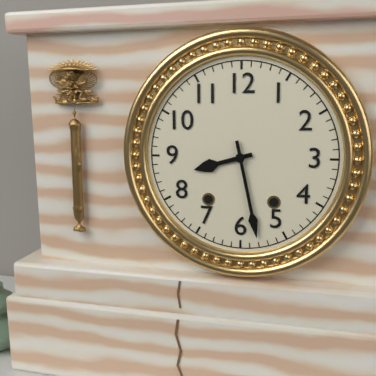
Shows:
8,28
